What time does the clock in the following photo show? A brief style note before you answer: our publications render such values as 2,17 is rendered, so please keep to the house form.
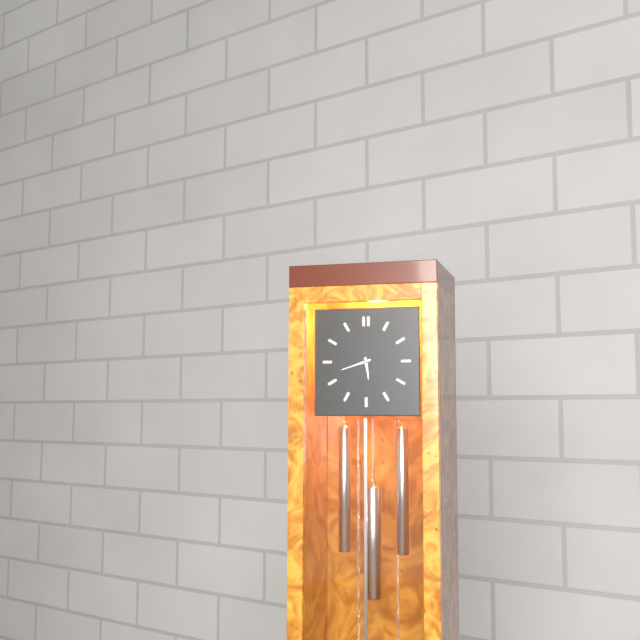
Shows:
5,42
